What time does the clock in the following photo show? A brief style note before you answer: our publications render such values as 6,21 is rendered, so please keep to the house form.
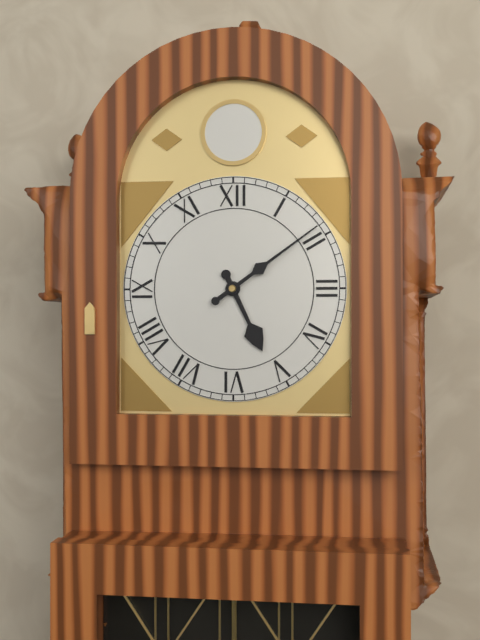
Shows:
5,09
